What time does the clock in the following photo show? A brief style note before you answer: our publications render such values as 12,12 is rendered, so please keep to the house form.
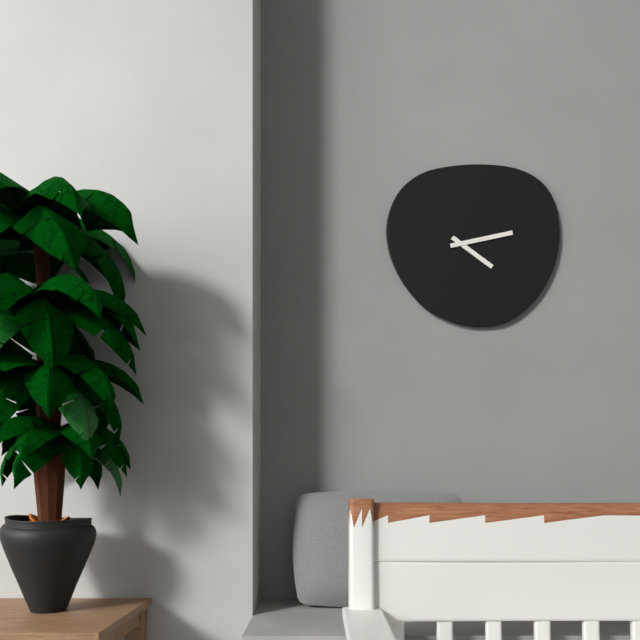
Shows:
4,13
